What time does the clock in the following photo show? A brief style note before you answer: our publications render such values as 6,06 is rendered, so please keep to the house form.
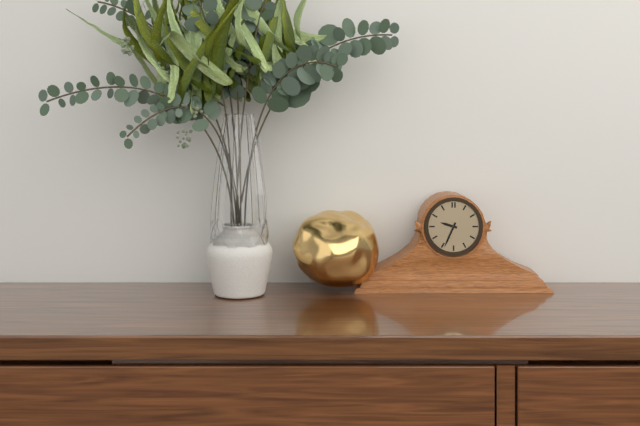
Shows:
9,34
